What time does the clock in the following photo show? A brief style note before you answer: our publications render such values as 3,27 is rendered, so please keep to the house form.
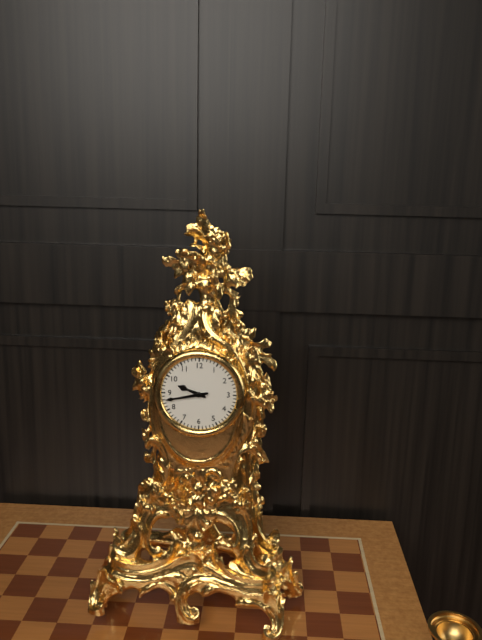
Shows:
9,43
